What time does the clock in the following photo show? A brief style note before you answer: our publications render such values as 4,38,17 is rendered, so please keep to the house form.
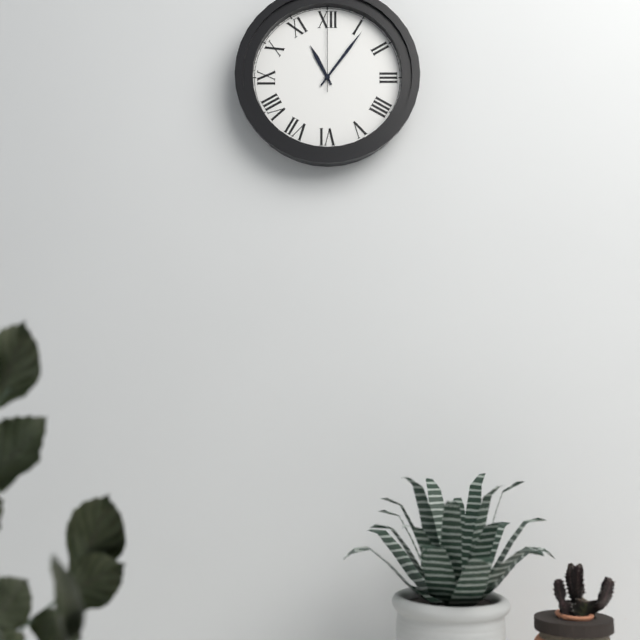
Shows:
11,06,00
